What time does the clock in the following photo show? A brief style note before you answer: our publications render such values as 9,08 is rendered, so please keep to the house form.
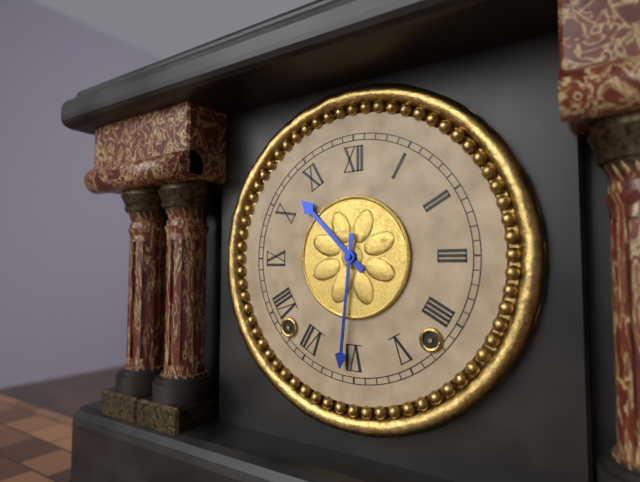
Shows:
10,31
